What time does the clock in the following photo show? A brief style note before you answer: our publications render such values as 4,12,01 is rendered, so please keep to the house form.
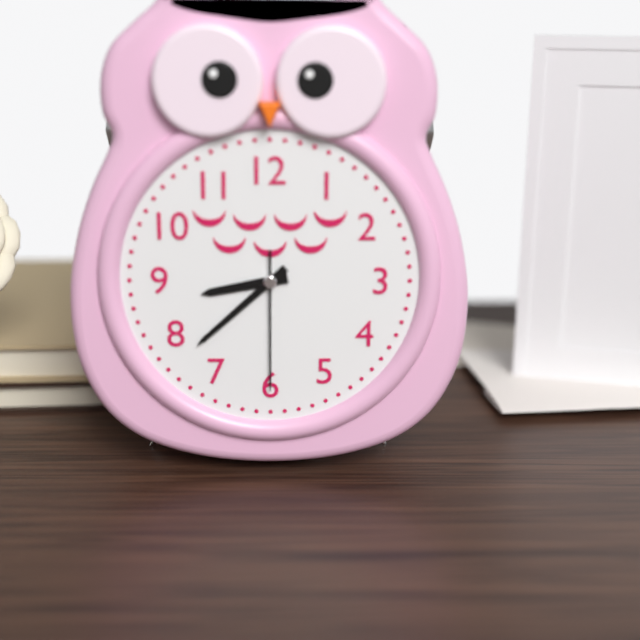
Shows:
8,38,30
